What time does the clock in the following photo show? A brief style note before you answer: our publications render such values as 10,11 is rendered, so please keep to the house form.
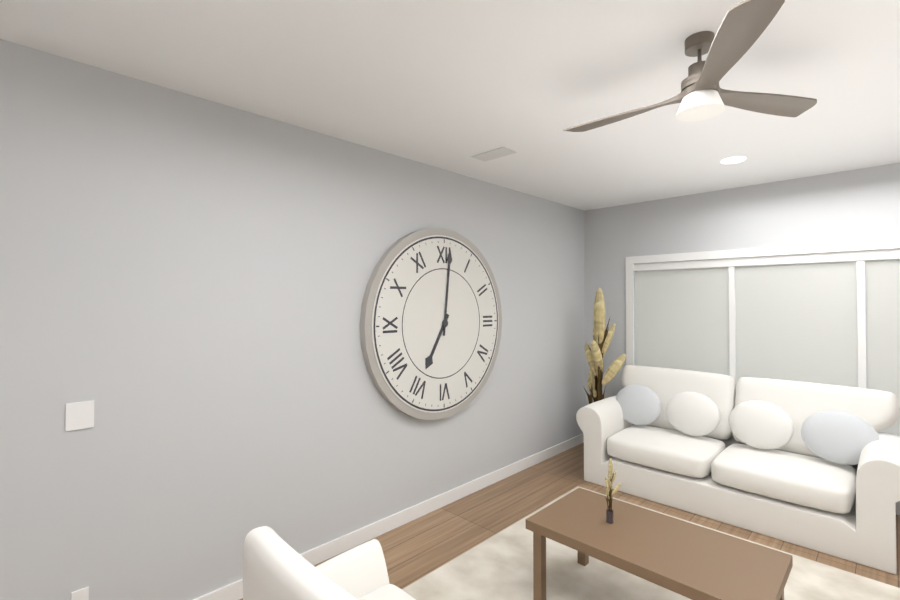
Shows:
7,01
